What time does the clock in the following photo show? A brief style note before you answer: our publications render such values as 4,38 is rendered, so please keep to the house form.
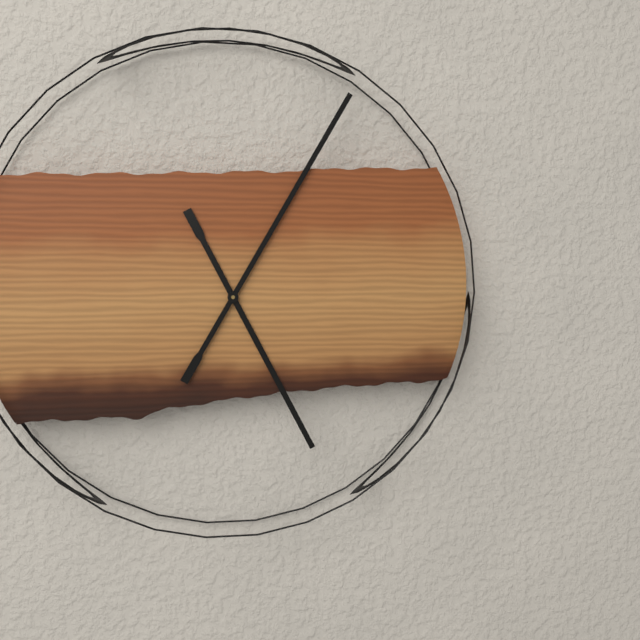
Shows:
5,05
